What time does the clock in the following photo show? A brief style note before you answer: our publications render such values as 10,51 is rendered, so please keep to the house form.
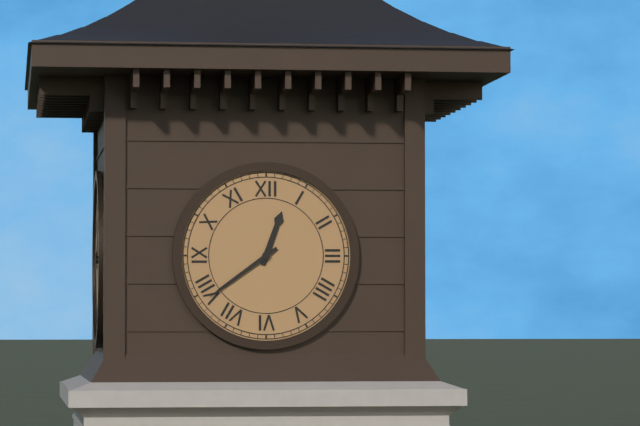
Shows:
12,39
